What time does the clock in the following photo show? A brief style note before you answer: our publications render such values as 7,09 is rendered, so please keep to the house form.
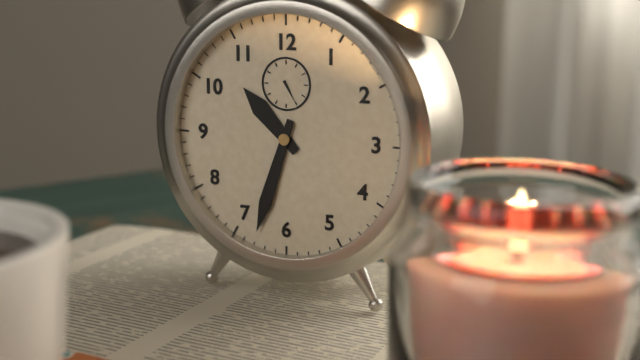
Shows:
10,33
